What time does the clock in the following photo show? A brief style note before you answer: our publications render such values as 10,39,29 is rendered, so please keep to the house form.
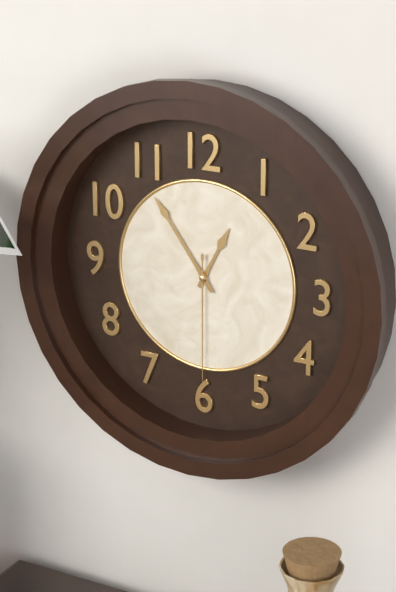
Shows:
12,54,30
